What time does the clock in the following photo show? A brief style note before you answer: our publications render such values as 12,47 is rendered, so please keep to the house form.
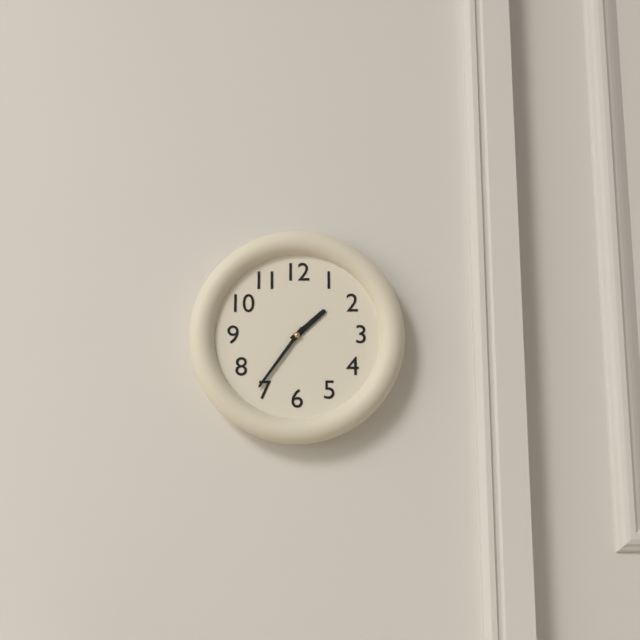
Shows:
1,36
